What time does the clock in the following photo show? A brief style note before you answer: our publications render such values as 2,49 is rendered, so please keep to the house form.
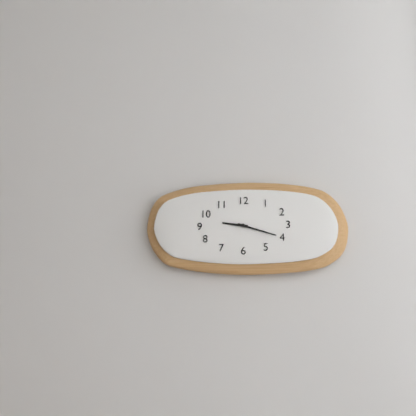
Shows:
9,18
